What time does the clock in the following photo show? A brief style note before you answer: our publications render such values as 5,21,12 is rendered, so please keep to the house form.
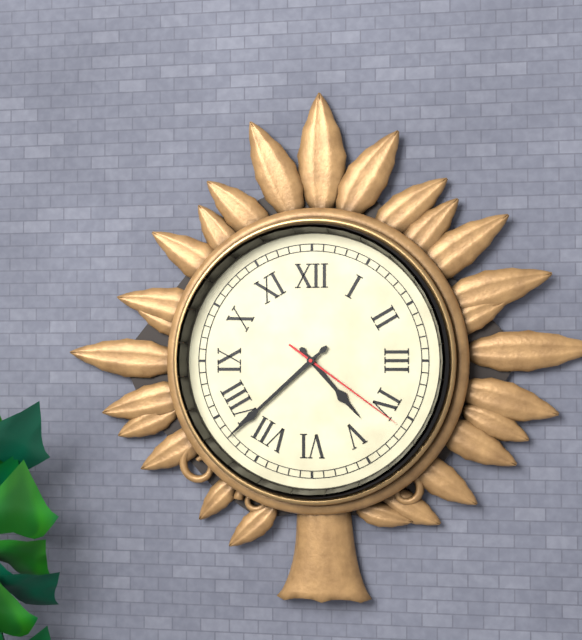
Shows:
4,38,21
